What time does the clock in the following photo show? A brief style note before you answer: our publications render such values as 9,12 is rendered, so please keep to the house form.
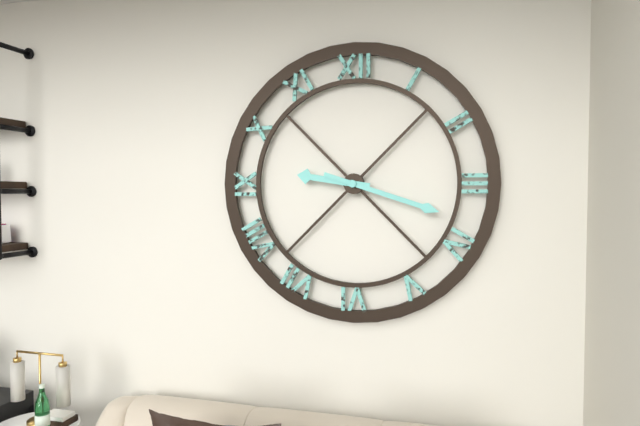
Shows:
9,18
